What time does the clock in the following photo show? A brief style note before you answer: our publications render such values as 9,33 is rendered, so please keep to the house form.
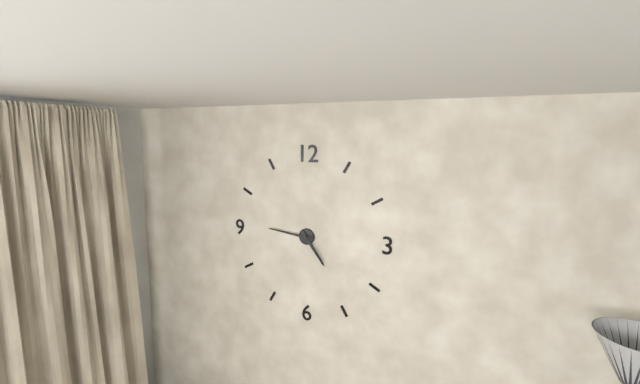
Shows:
4,46
